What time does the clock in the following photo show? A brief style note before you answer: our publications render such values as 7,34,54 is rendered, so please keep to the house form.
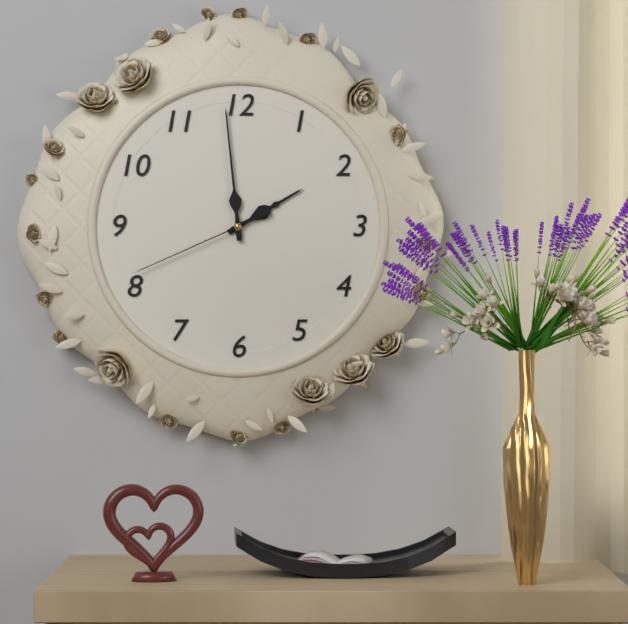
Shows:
1,59,41
